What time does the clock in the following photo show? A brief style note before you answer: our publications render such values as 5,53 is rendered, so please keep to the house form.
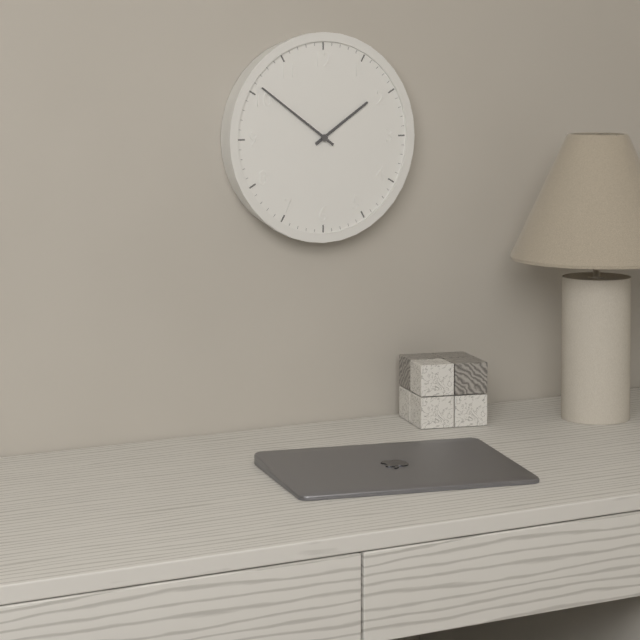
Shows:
1,51
